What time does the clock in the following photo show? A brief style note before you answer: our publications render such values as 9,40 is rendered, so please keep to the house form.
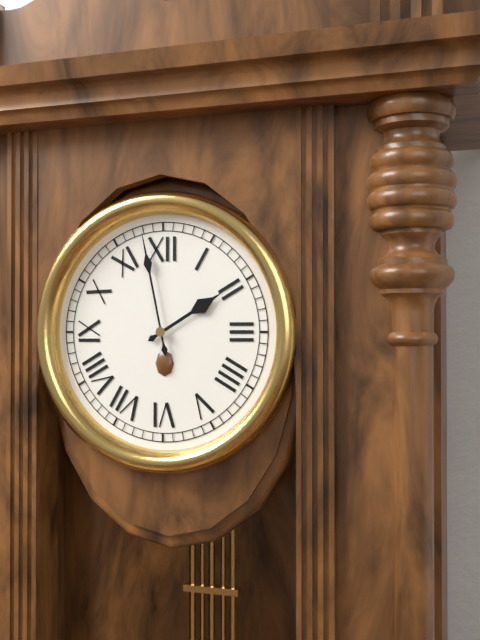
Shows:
1,58
